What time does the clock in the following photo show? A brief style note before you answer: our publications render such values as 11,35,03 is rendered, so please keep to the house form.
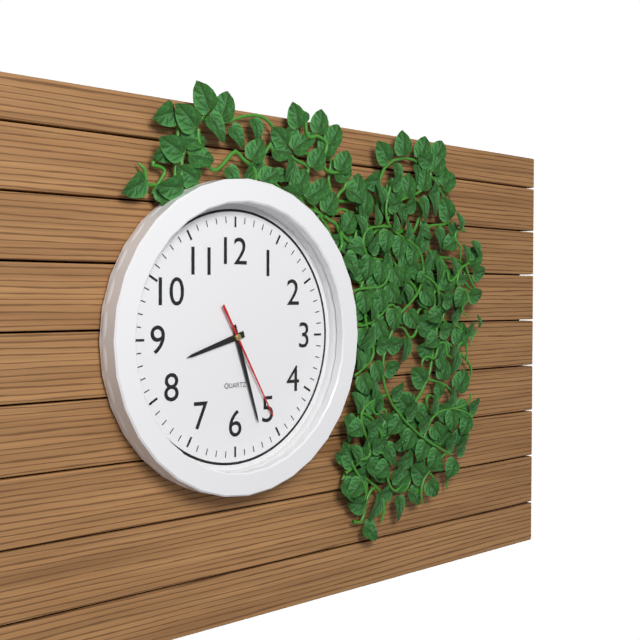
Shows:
8,27,25
